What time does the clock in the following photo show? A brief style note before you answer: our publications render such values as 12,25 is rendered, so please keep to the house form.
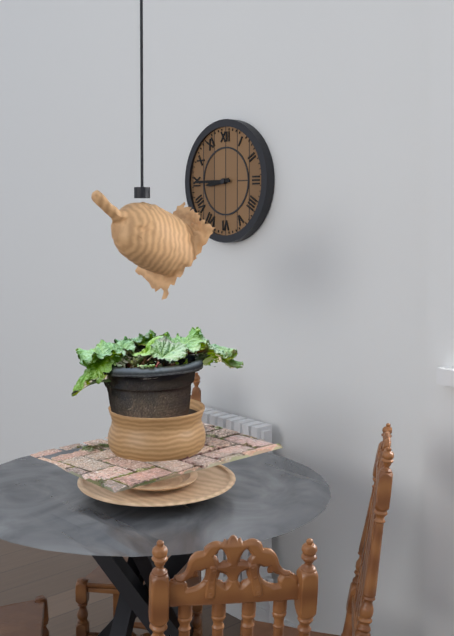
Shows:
8,45
